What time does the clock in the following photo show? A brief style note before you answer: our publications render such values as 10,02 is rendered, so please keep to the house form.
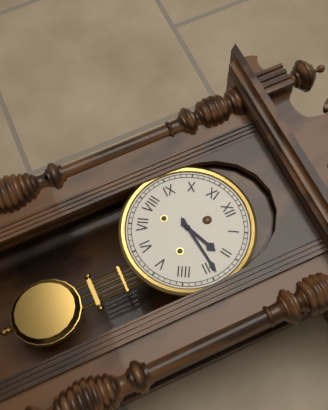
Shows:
2,14
